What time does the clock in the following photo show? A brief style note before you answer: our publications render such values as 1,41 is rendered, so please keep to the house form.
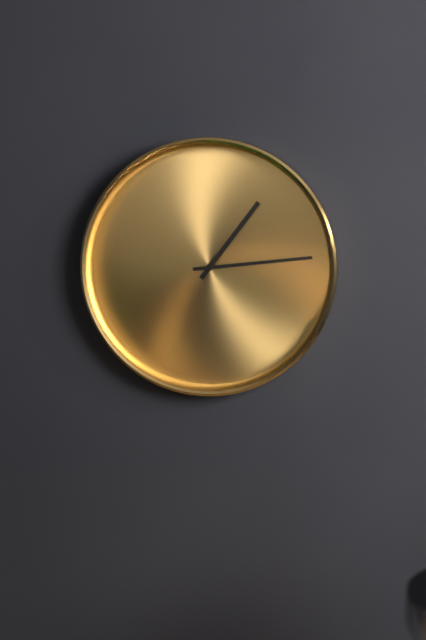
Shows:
1,14
